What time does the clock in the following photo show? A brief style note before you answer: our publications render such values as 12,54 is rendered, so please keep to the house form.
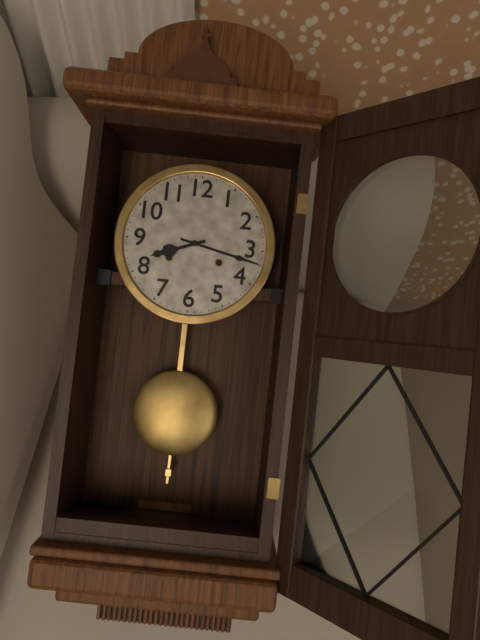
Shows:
8,17
